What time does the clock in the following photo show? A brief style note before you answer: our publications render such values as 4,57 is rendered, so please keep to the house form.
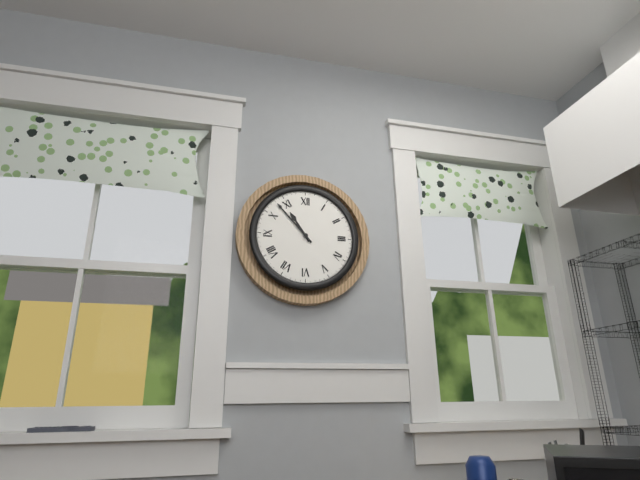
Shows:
10,53
